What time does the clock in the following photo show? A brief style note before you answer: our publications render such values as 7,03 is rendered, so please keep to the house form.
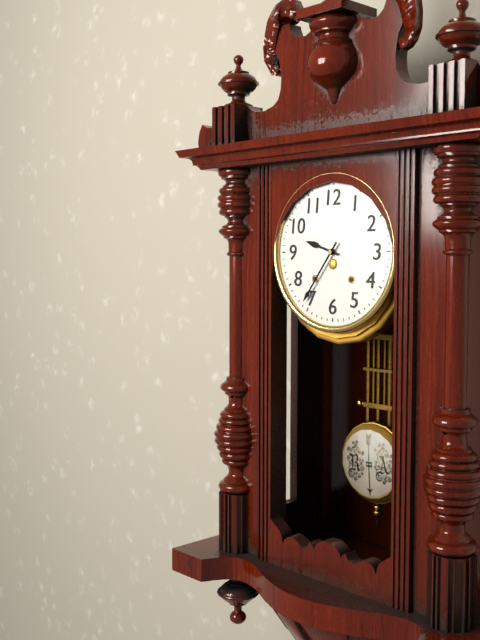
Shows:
9,36
